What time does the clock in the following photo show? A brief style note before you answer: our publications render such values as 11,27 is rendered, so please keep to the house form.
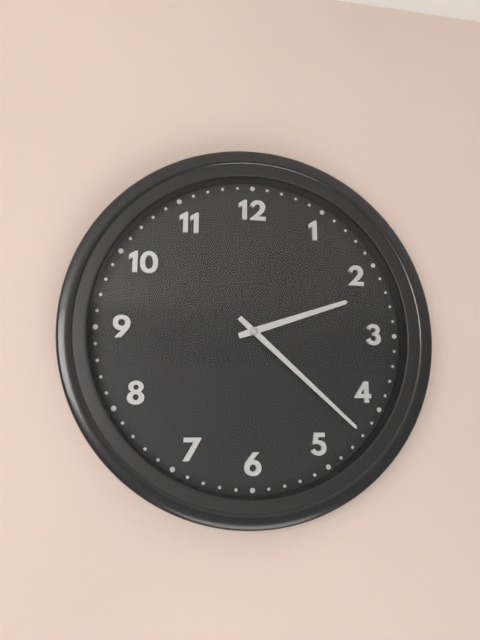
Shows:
2,22
